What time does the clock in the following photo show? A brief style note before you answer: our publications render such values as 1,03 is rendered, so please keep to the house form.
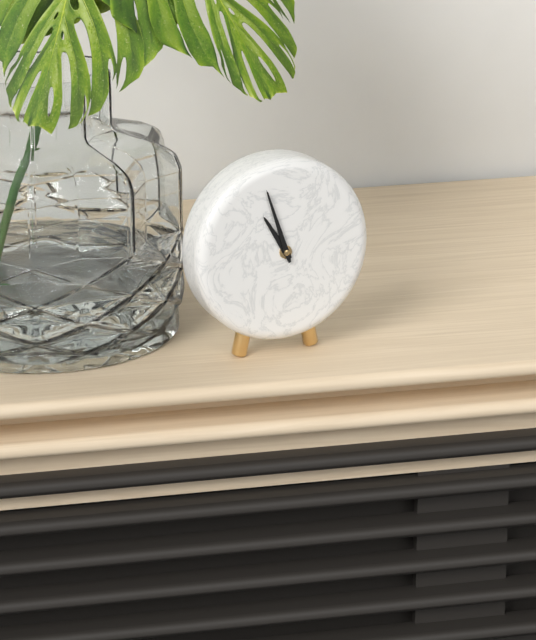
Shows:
10,57
